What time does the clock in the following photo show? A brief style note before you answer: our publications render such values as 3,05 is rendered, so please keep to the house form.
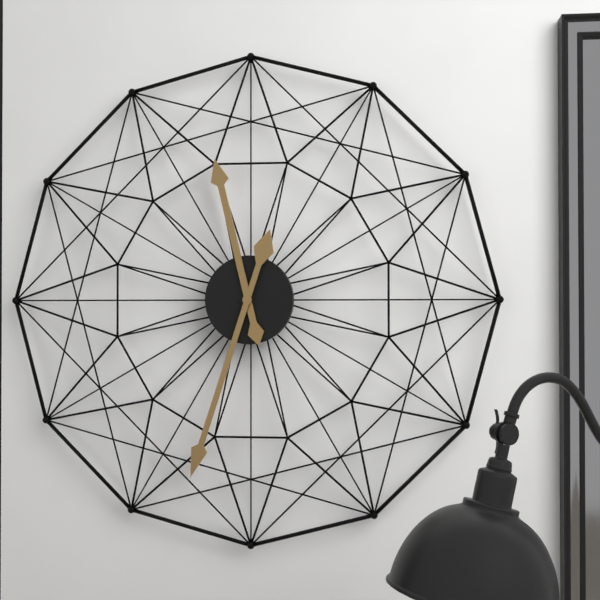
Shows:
11,33
